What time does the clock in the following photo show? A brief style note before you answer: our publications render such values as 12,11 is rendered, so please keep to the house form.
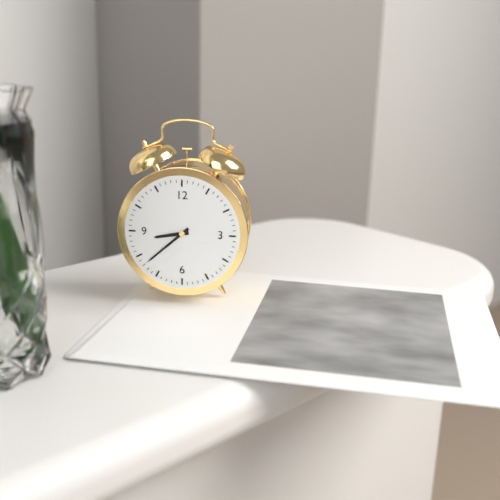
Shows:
8,38
